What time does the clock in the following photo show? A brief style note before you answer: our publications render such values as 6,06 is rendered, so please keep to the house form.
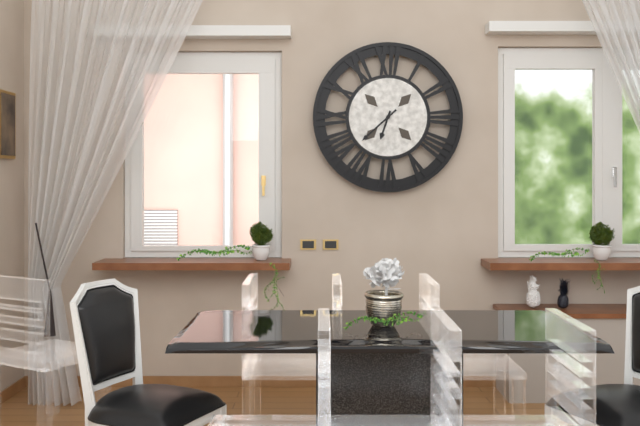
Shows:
6,38
